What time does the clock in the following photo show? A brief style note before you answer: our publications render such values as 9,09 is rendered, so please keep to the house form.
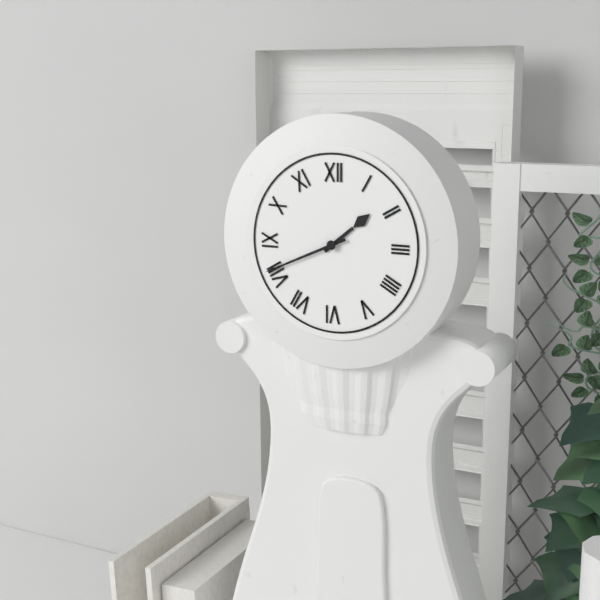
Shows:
1,41
